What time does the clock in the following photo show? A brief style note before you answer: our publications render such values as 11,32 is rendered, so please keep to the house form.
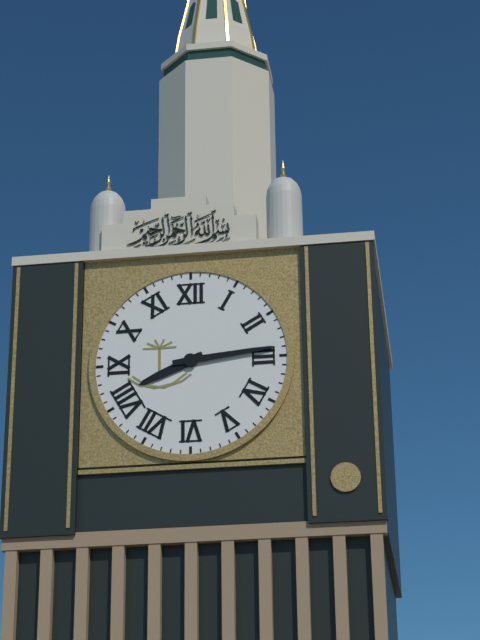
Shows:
8,14
